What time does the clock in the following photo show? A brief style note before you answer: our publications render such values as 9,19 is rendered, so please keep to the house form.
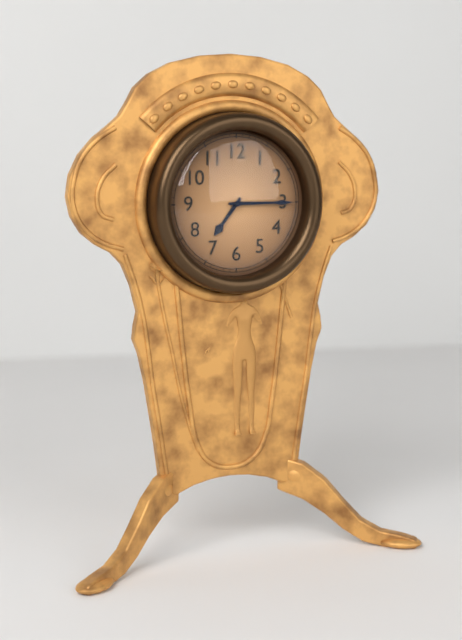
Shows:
7,15
